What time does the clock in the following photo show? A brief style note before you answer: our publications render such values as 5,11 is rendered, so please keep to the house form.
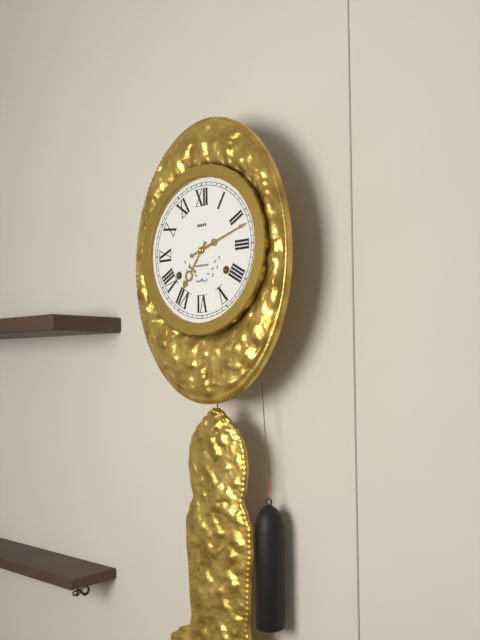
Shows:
7,12
